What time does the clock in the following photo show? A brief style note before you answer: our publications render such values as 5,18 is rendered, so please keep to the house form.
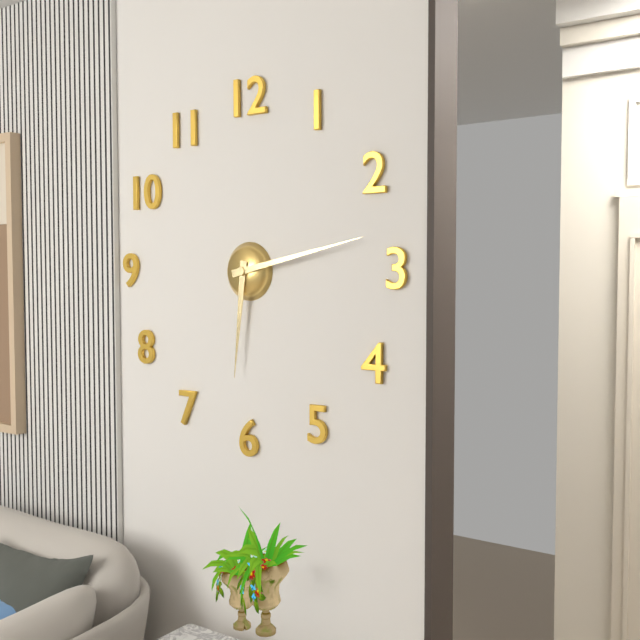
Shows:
6,13
